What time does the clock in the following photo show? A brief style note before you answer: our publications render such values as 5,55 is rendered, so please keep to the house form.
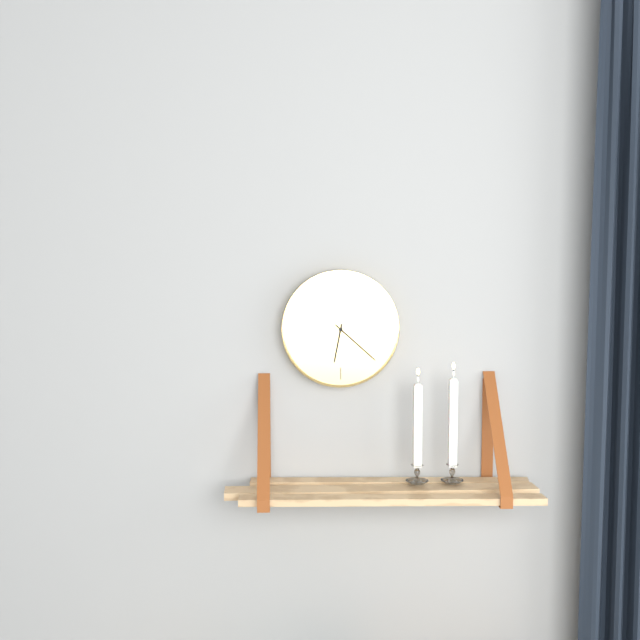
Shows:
6,22
